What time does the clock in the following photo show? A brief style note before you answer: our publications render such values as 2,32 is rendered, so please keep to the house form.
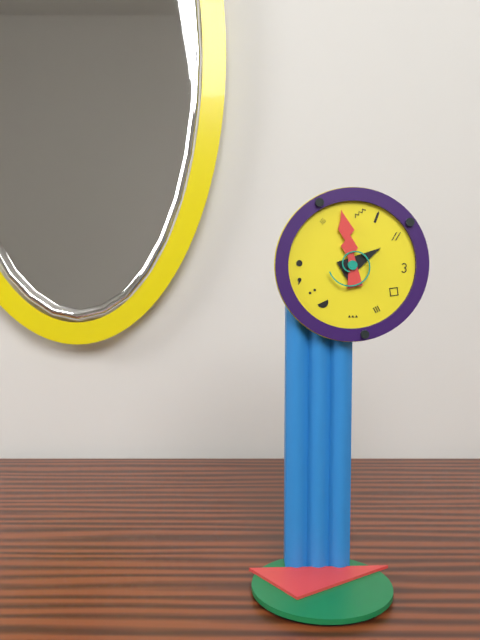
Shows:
1,58
